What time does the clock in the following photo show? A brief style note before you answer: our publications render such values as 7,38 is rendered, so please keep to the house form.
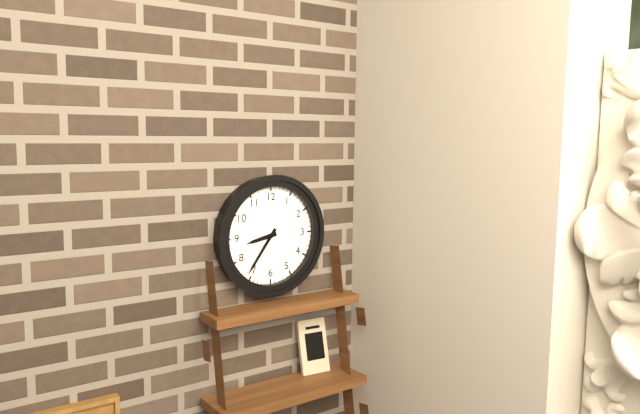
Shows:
8,36
